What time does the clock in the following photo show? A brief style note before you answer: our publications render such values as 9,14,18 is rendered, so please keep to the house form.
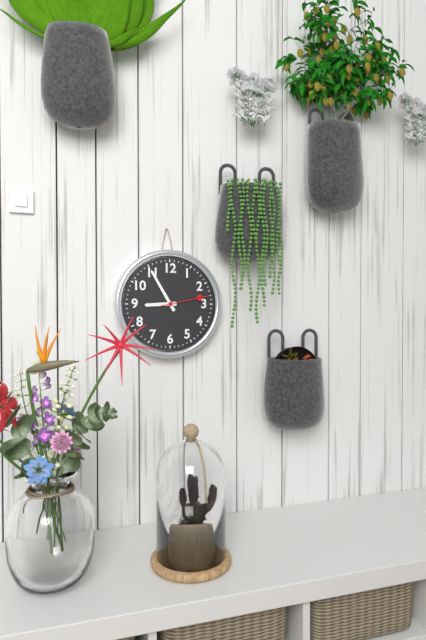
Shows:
8,55,13
